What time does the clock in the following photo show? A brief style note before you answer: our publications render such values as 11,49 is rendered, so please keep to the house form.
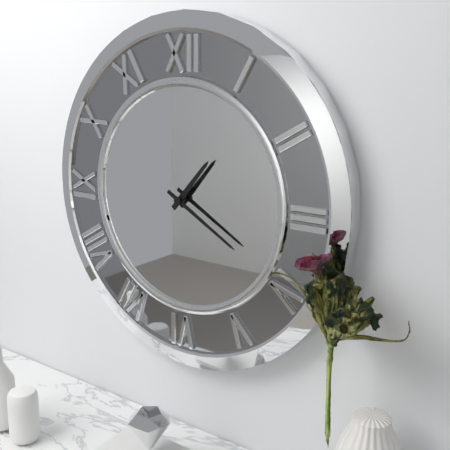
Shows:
1,20
